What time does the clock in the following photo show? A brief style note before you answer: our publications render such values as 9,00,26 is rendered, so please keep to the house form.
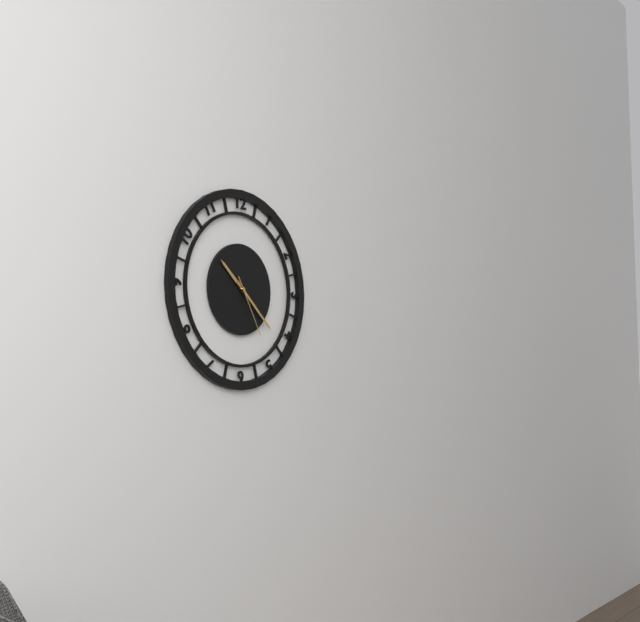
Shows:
10,22,25
